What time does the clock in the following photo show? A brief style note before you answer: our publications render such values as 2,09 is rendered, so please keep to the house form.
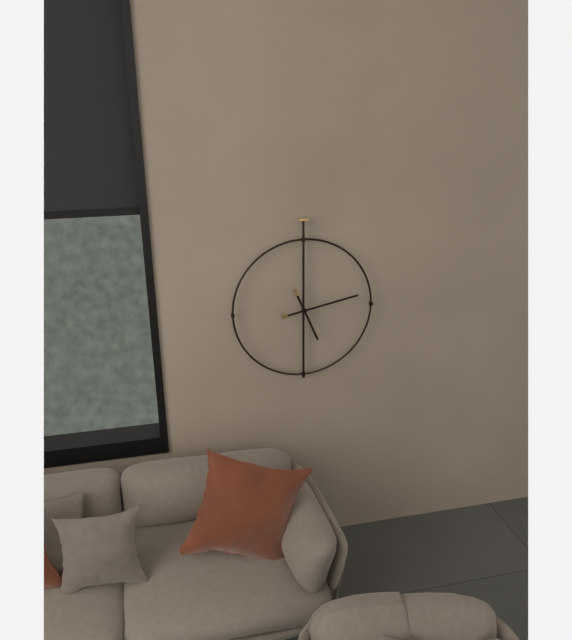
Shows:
5,13
